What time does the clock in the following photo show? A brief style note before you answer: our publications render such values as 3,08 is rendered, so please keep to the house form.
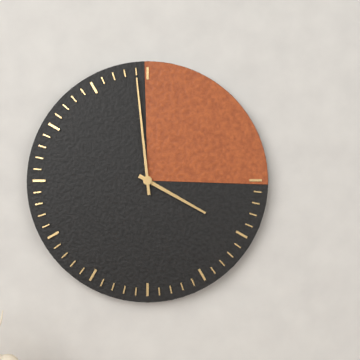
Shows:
3,59
